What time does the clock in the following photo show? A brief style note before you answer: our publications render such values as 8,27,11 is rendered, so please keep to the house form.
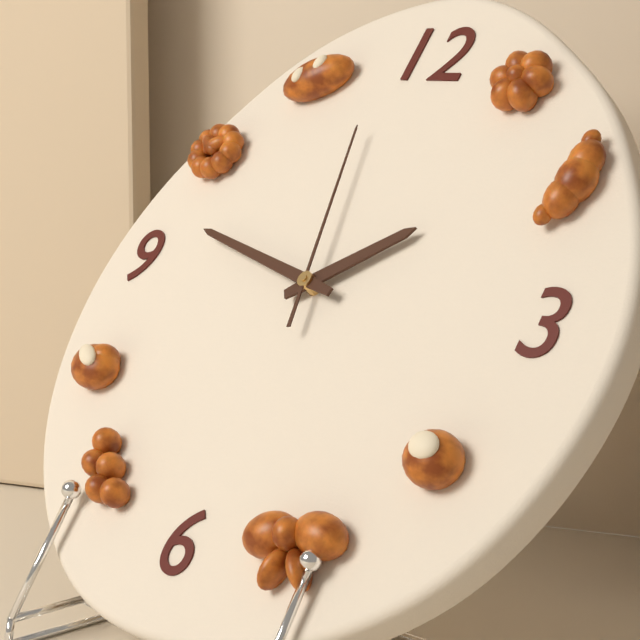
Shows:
1,47,58
